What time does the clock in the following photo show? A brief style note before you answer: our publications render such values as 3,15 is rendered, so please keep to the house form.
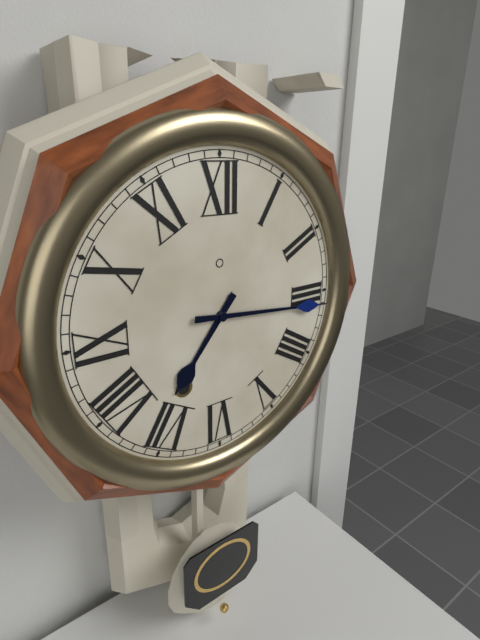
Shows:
7,16
